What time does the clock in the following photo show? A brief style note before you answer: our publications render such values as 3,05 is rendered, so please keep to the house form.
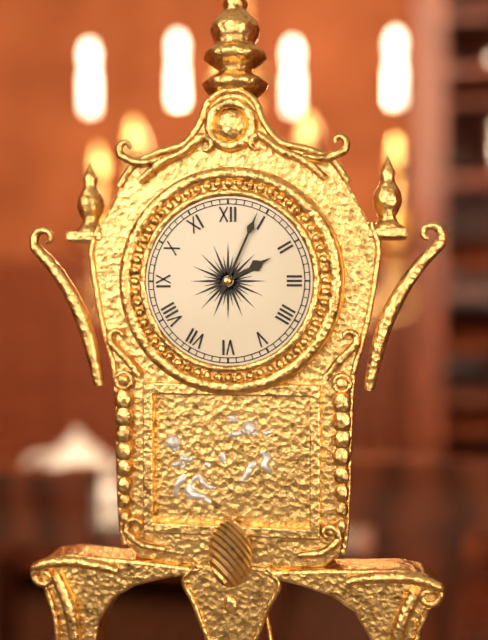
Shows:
2,04
